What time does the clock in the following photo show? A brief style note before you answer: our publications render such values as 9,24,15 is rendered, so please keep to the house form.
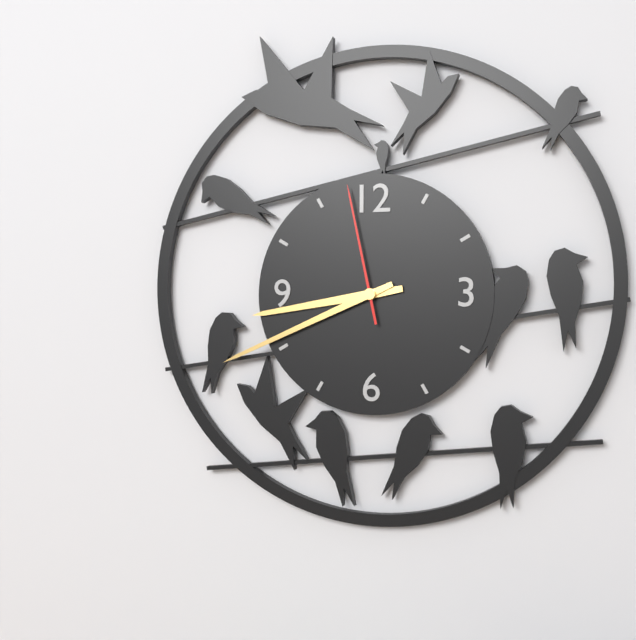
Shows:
8,41,58
